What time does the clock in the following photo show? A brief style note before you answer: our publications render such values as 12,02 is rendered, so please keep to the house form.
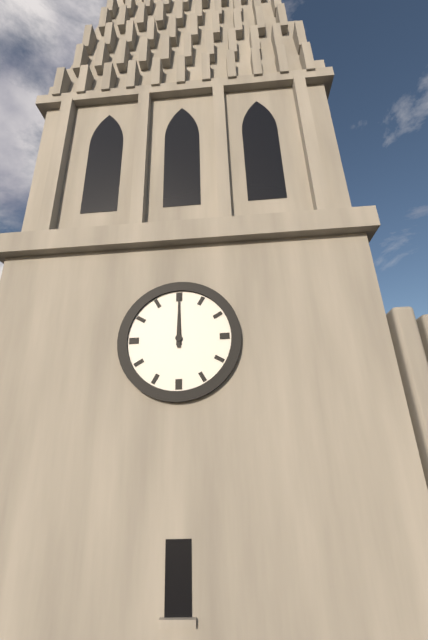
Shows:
12,00
